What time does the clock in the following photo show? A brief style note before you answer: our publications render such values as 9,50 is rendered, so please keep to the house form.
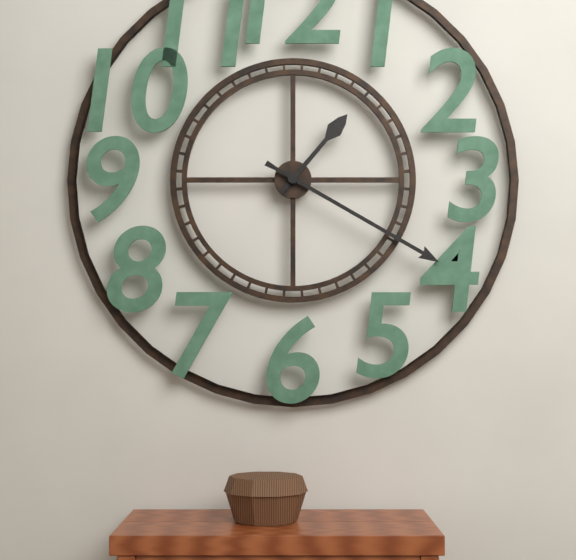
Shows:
1,20
